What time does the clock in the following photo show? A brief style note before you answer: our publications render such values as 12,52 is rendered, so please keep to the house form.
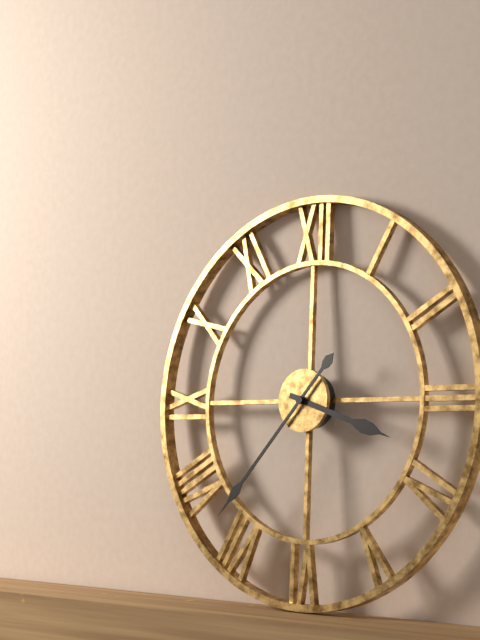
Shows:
3,37
